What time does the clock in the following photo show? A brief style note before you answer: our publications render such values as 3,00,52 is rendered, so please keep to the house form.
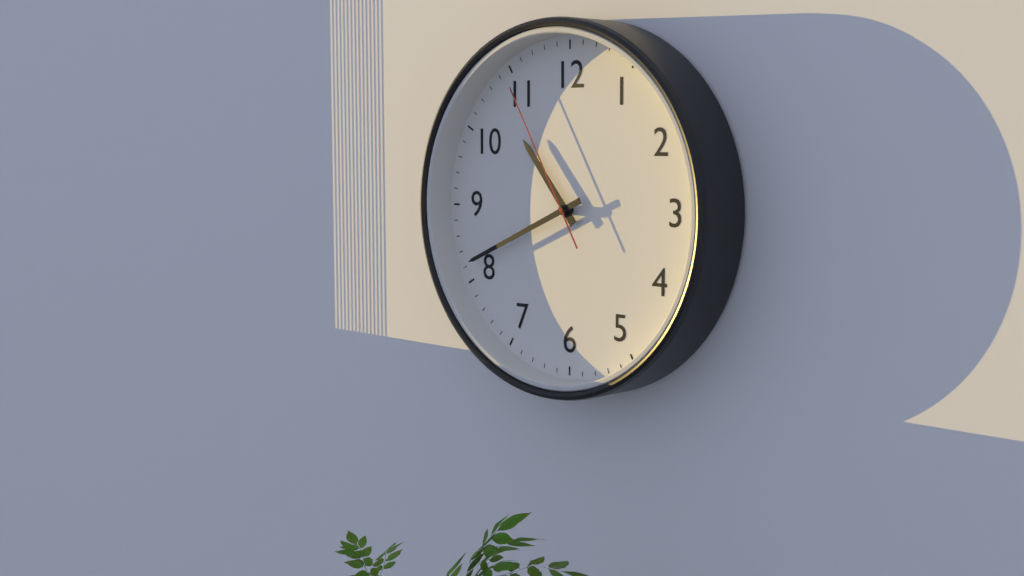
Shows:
10,41,55
